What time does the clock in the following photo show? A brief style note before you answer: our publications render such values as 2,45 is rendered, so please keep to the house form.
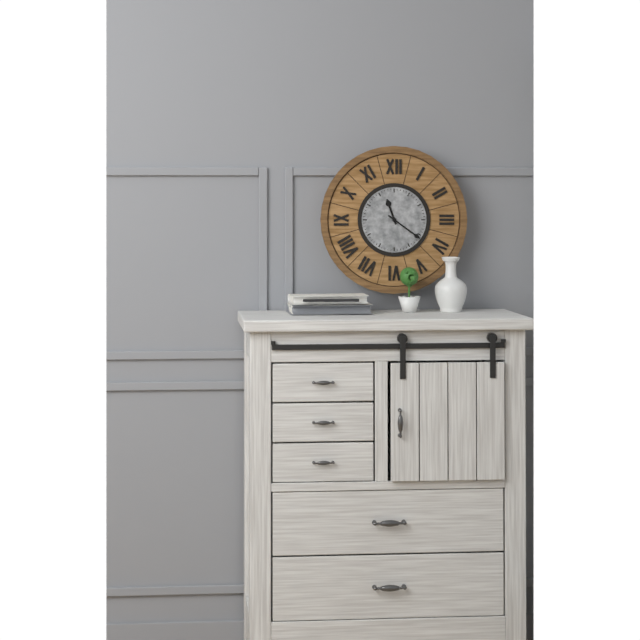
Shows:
11,21
